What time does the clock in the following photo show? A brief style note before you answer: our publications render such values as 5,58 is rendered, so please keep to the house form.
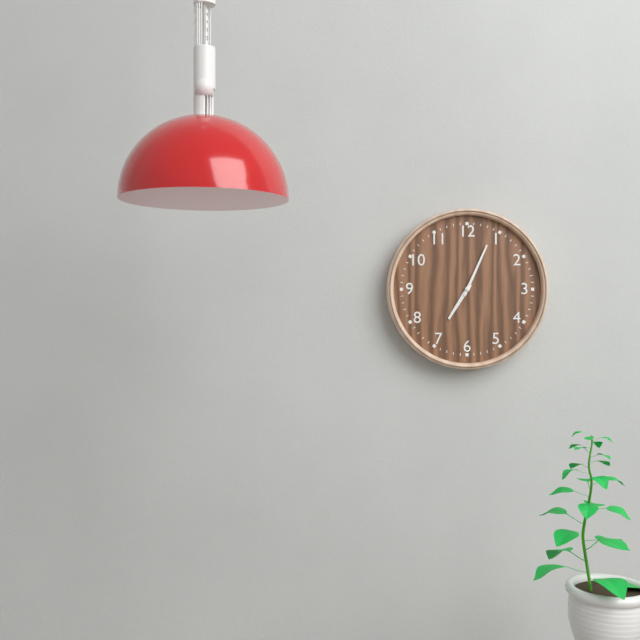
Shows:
7,04
